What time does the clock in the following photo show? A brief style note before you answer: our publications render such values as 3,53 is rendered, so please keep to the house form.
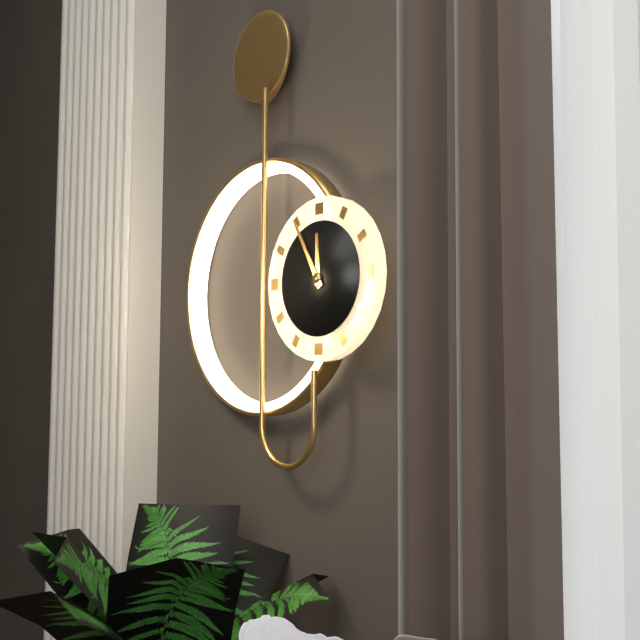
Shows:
11,55
